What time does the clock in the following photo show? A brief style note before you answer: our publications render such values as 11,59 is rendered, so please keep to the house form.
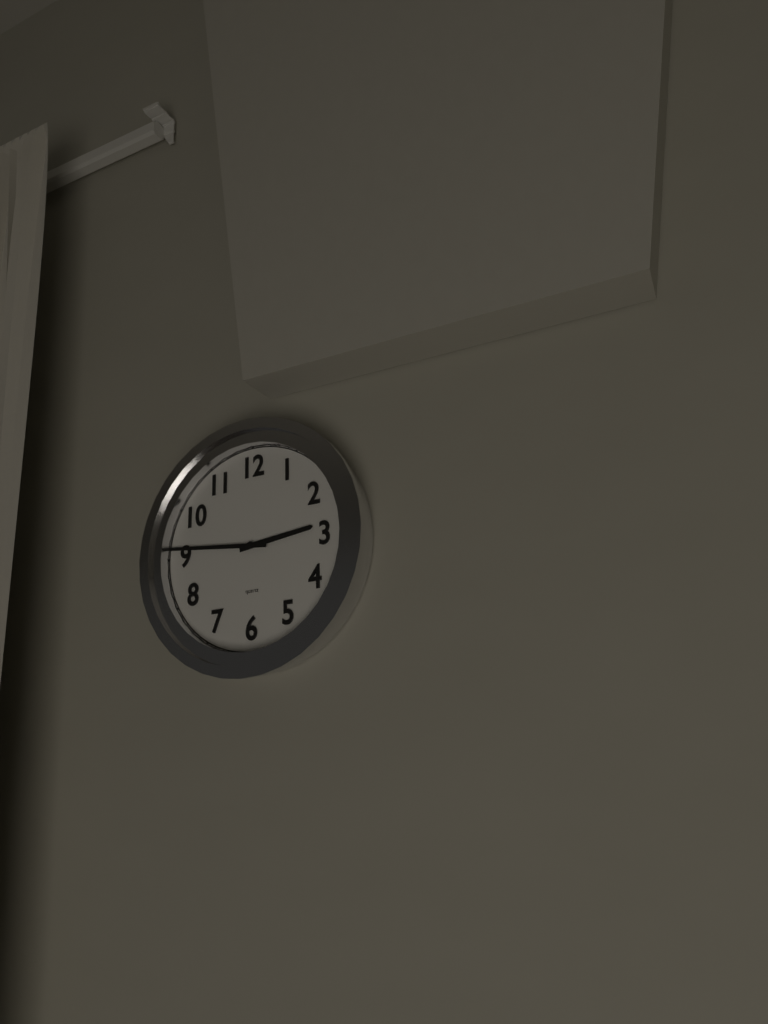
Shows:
2,46
